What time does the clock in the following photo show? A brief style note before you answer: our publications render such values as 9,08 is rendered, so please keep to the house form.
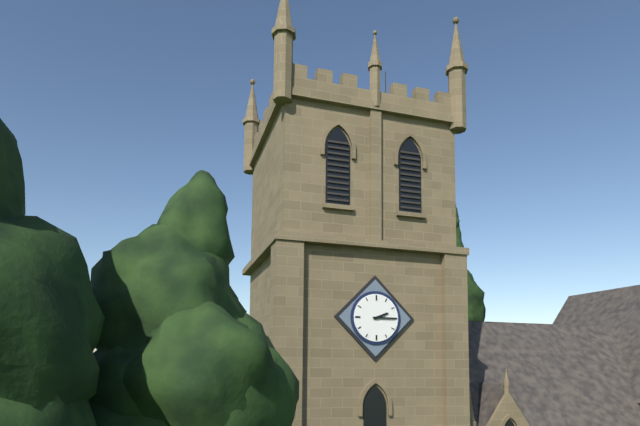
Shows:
2,15
